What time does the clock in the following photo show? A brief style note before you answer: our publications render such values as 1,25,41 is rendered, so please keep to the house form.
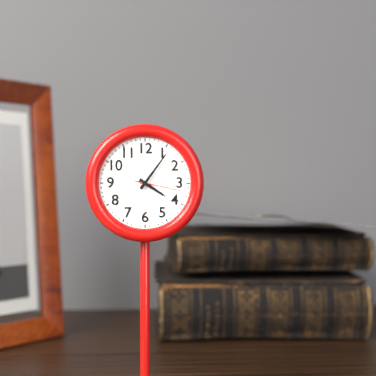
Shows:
4,06,17
